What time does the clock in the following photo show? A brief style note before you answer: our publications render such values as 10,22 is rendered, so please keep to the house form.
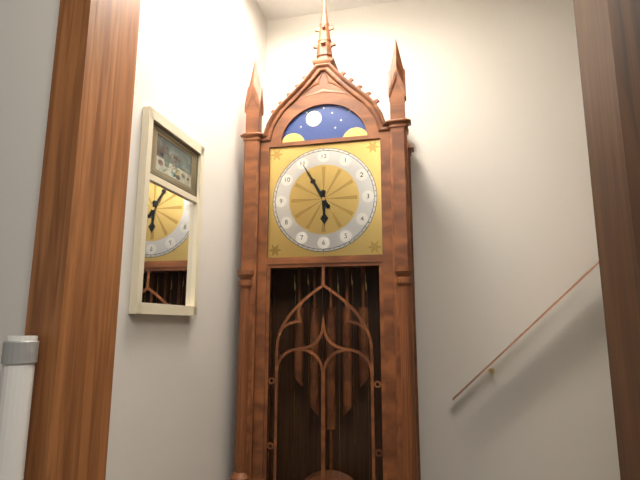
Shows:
5,55
